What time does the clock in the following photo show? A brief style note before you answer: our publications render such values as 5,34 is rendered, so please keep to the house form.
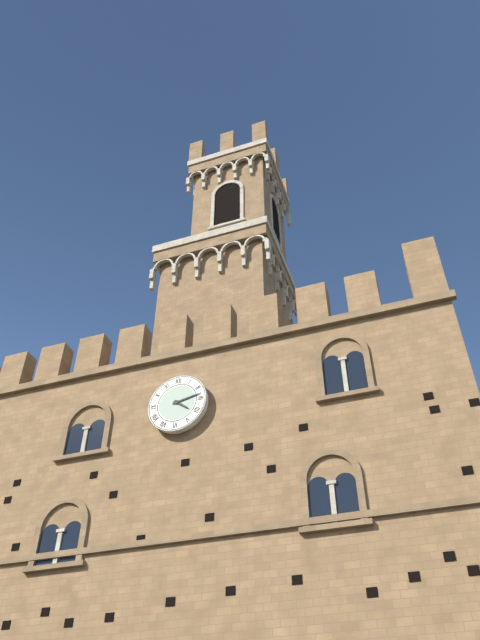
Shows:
4,13
